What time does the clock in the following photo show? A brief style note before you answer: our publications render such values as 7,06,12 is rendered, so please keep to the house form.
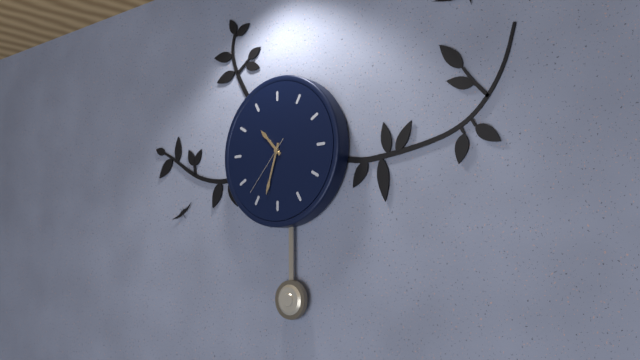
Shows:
10,33,37
